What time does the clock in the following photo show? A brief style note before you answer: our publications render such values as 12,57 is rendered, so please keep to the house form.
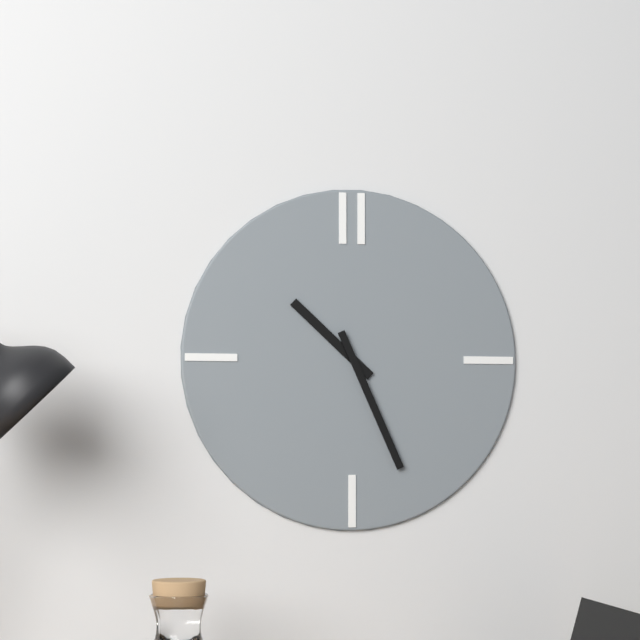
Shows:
10,26
